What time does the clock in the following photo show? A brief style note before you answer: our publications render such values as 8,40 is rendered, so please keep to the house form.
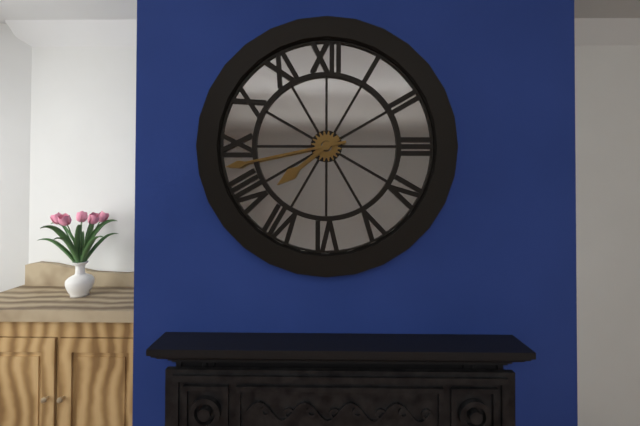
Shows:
7,43
